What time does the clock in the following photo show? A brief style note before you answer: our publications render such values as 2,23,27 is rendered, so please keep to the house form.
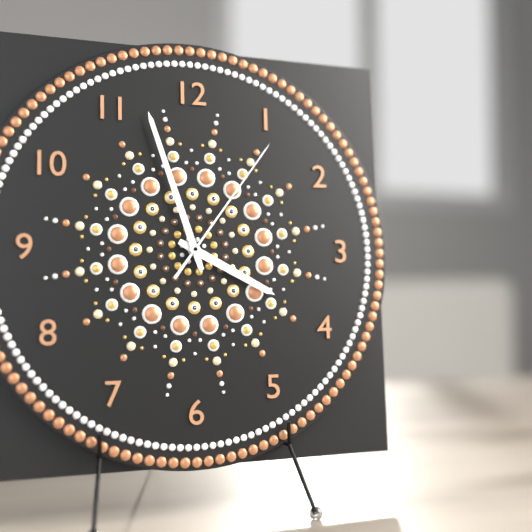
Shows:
3,57,06
